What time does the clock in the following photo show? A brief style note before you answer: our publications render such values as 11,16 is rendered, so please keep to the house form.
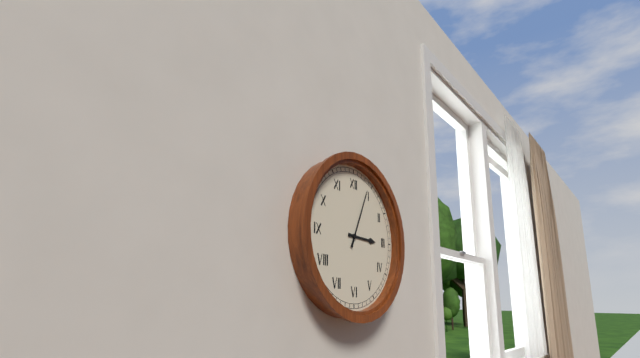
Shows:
3,04
